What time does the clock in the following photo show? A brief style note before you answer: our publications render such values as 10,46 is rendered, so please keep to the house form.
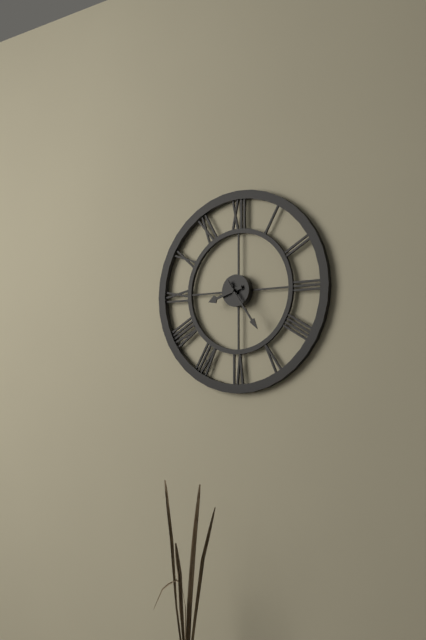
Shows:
8,24
